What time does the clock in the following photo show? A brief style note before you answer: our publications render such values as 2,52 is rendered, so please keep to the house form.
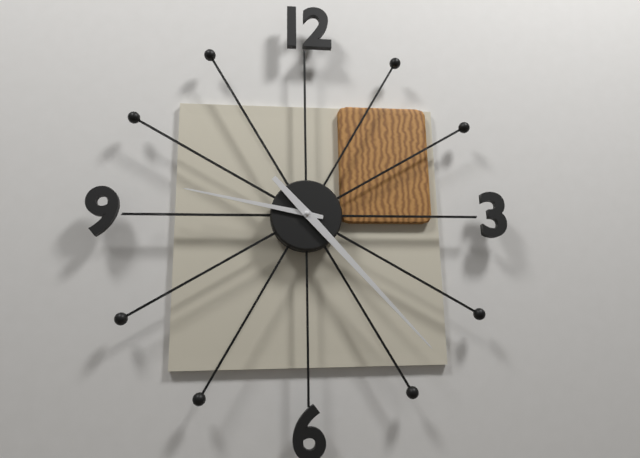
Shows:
9,23
